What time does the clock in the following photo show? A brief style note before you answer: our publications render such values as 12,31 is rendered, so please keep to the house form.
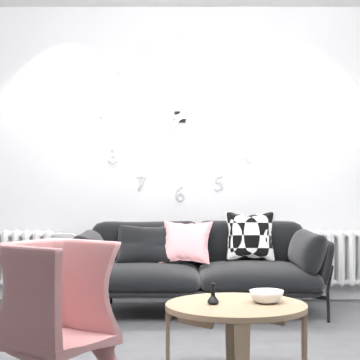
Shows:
7,15
